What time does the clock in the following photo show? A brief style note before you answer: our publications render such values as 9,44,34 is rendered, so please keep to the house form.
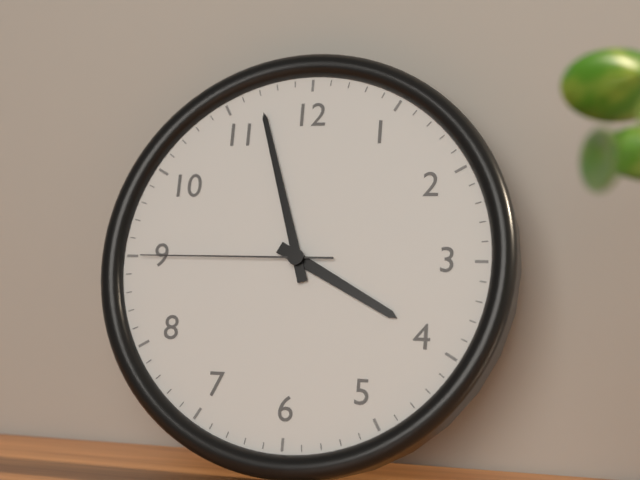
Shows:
3,57,45
